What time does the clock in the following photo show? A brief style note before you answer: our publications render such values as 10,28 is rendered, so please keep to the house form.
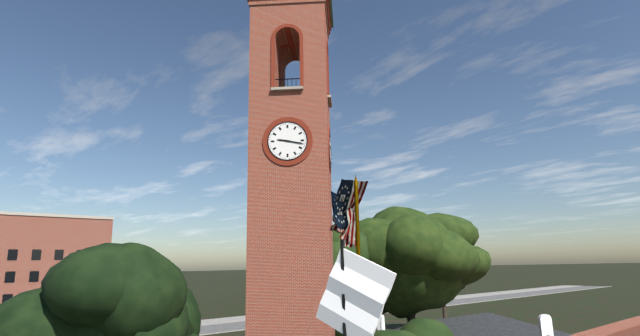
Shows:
9,17
